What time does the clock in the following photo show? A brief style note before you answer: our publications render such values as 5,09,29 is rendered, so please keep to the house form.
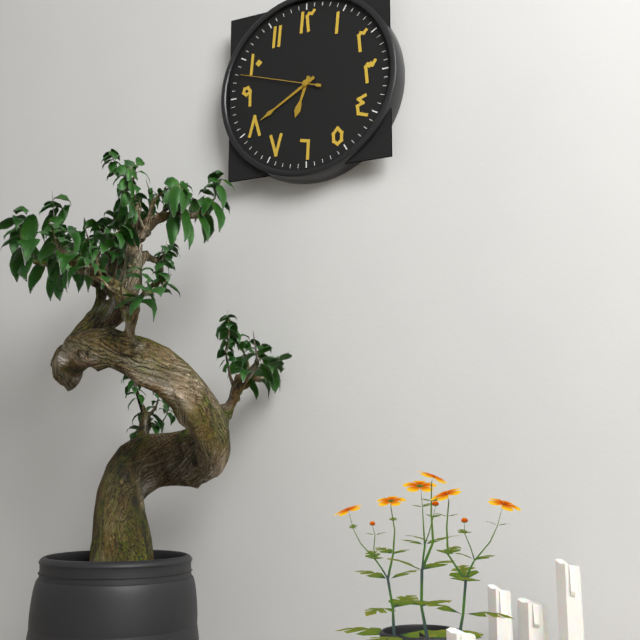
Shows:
6,40,48
